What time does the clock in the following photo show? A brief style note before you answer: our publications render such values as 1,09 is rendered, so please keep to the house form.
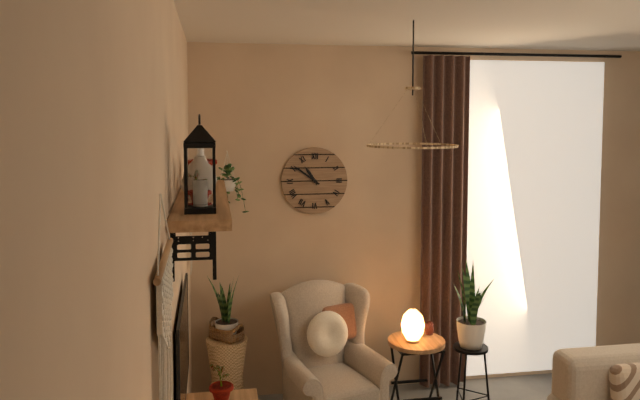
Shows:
10,51
